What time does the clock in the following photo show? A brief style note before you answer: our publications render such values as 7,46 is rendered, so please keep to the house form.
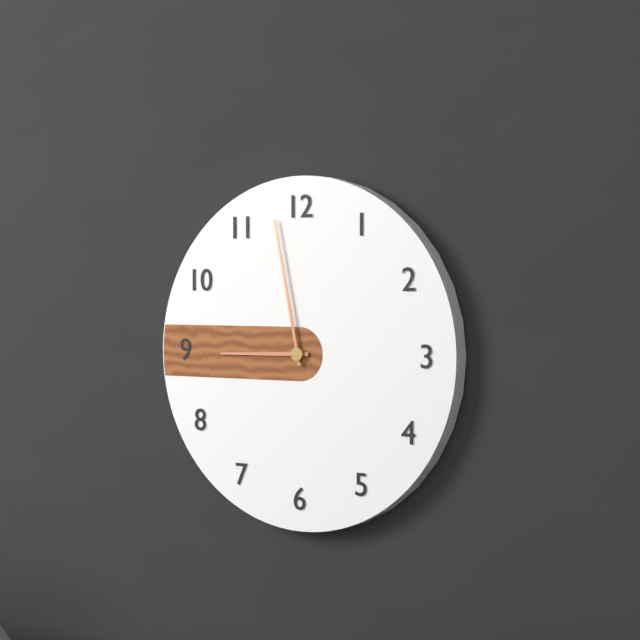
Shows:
8,58
